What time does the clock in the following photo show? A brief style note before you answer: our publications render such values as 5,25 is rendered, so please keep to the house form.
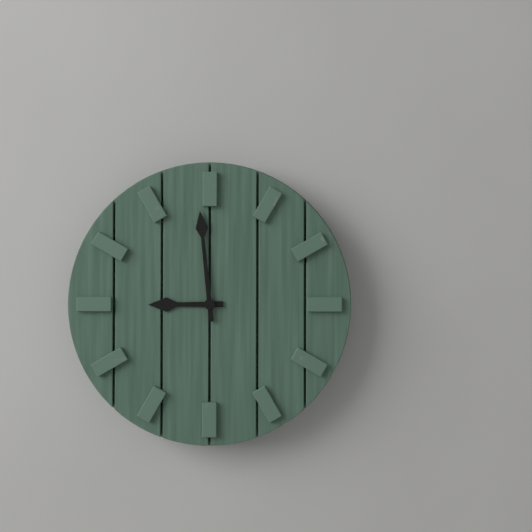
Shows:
8,59
